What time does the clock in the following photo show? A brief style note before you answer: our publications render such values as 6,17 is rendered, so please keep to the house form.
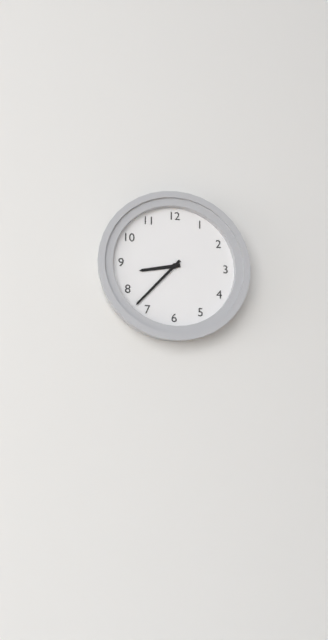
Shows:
8,37
